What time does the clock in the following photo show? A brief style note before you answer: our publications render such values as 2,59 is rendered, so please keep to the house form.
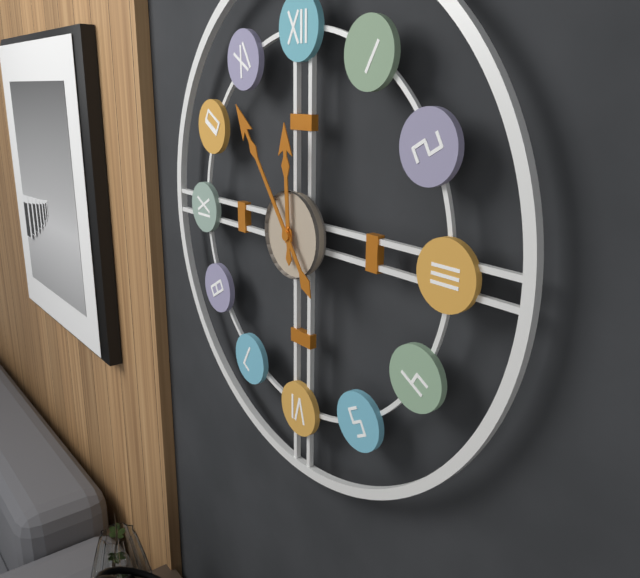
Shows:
11,54
